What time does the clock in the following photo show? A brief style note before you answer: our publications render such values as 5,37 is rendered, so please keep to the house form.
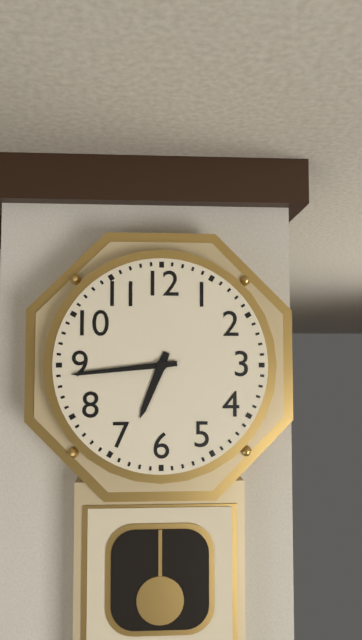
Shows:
6,44
